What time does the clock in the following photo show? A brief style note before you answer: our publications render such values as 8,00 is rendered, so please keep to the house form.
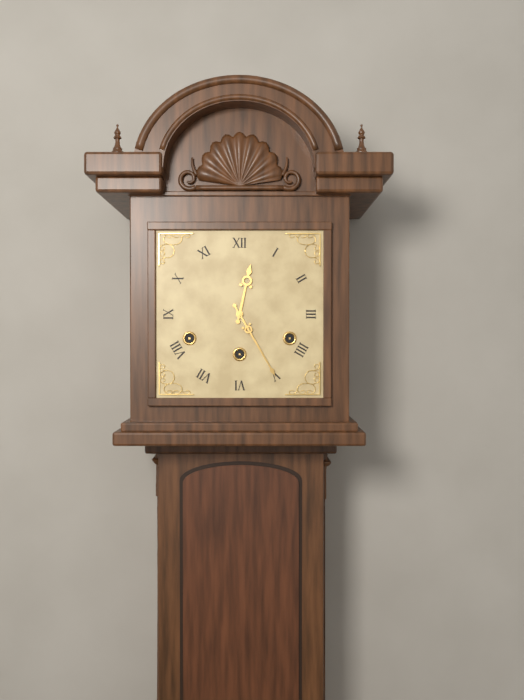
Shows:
12,25
